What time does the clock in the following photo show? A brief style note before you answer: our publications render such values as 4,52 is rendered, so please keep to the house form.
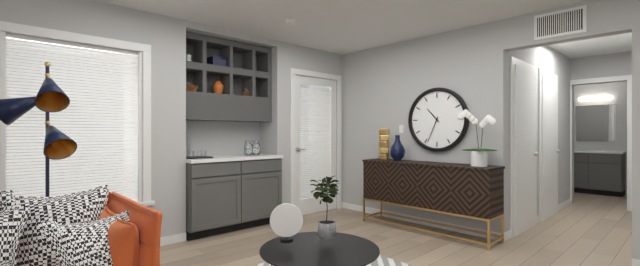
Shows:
10,34
